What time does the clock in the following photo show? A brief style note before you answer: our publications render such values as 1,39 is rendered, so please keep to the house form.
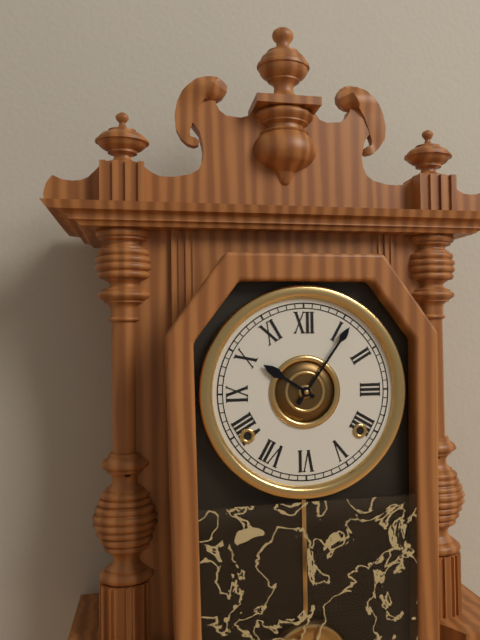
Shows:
10,06
